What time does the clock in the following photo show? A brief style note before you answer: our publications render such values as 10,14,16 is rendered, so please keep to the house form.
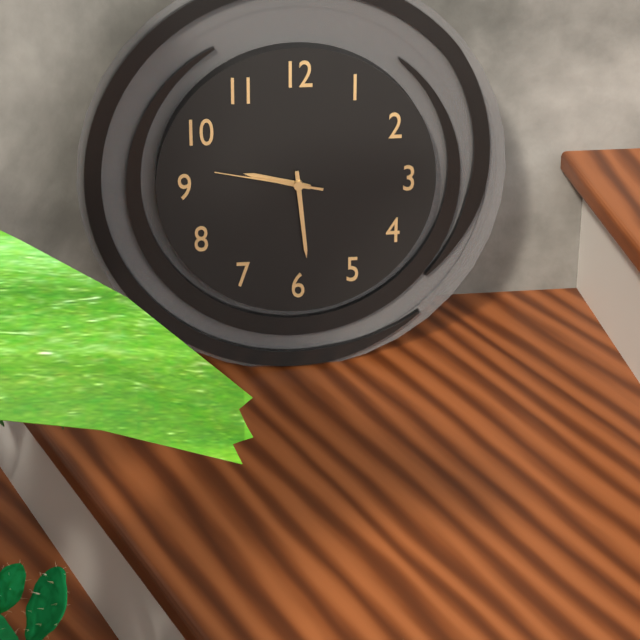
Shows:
9,29,47
